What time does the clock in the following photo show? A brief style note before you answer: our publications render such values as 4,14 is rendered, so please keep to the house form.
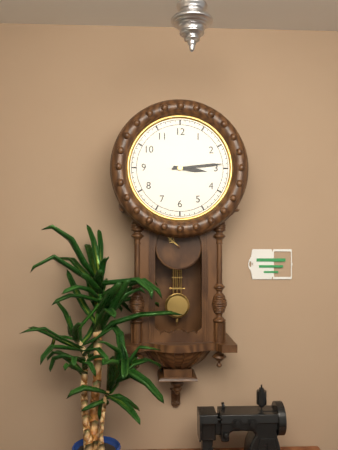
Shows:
3,14
